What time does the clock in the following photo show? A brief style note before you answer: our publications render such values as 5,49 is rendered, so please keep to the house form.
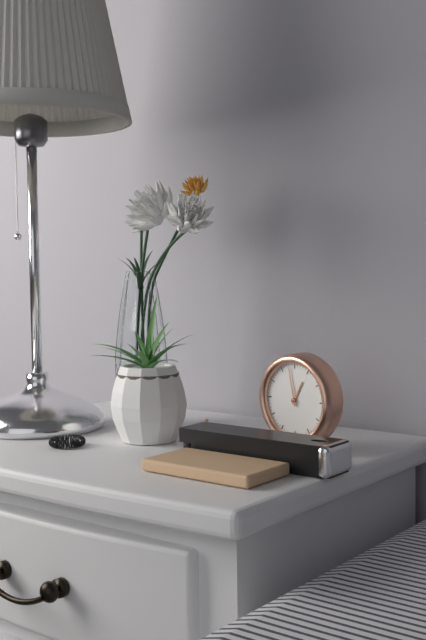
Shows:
12,58
